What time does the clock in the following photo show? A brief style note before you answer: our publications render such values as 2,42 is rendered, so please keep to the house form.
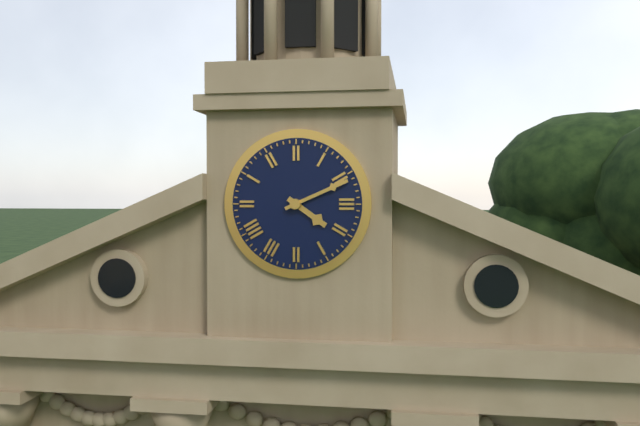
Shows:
4,11
